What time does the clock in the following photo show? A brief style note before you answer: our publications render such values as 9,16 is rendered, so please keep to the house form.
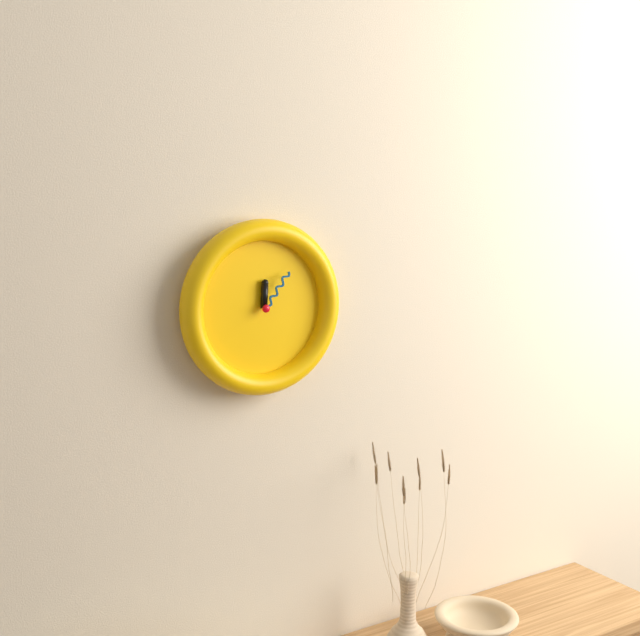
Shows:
12,06
